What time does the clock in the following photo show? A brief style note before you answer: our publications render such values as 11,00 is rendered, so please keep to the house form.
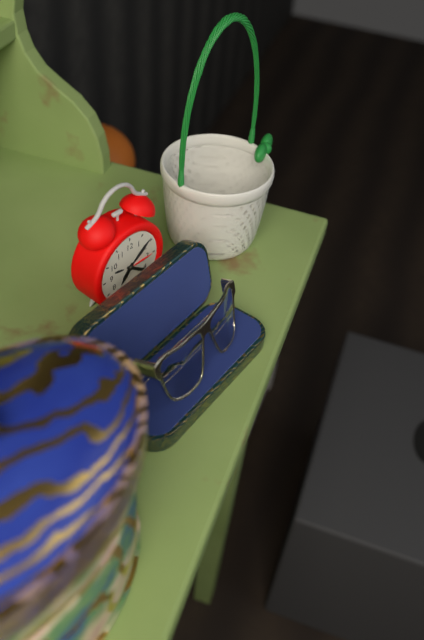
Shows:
7,21
